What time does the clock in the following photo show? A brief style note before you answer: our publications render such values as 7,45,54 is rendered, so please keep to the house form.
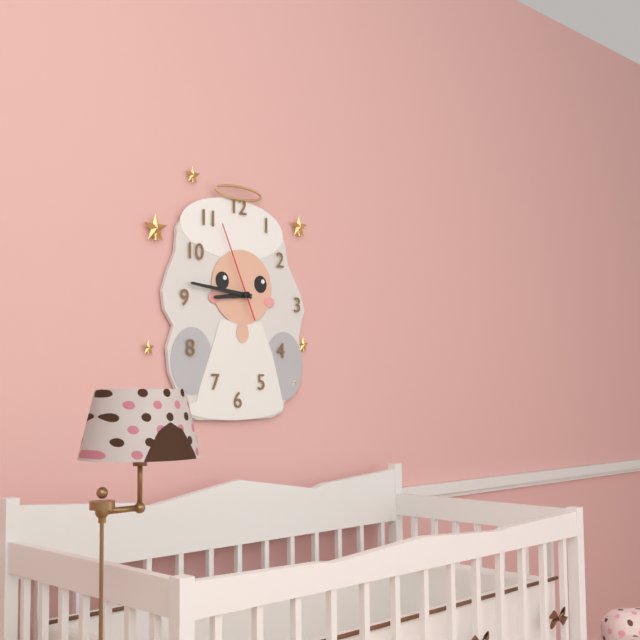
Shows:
8,46,56
